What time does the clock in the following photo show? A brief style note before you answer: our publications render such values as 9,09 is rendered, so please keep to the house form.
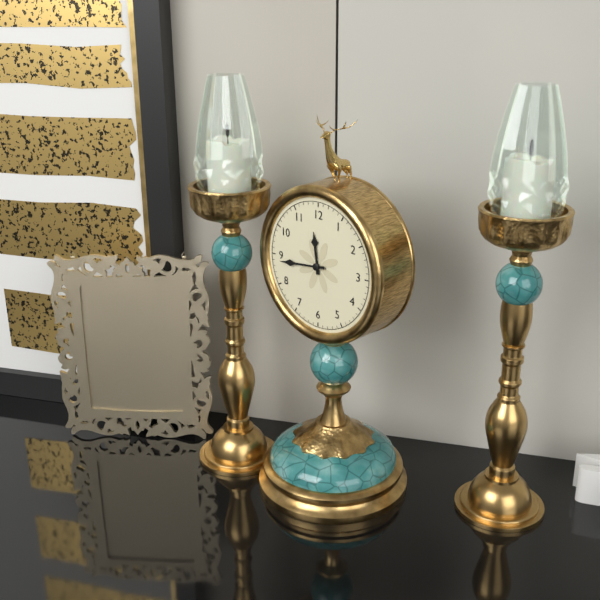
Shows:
11,44
